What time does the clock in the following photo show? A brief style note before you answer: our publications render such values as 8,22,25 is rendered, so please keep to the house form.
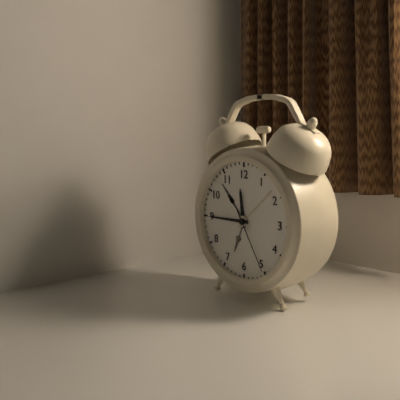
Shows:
11,45,25
